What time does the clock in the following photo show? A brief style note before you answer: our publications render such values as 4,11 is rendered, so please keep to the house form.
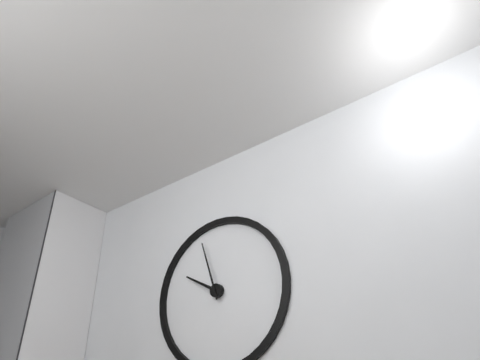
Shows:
9,57
